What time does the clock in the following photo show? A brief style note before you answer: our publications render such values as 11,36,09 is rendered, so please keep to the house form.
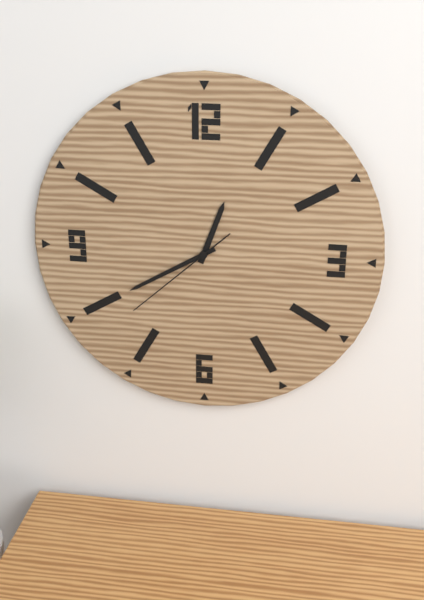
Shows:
12,40,38
